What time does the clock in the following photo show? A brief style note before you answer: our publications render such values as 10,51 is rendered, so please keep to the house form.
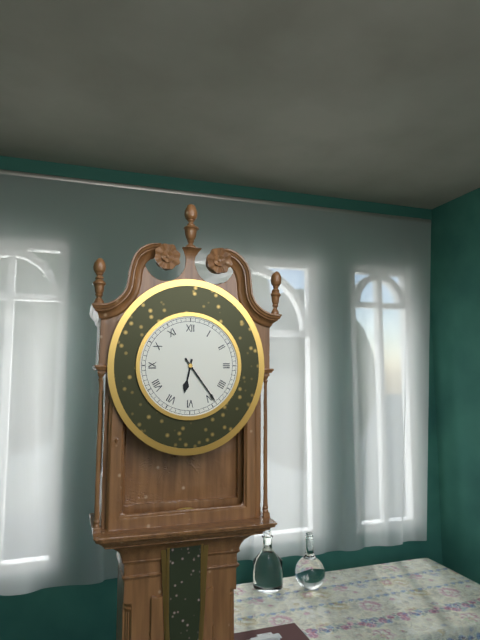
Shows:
6,24
